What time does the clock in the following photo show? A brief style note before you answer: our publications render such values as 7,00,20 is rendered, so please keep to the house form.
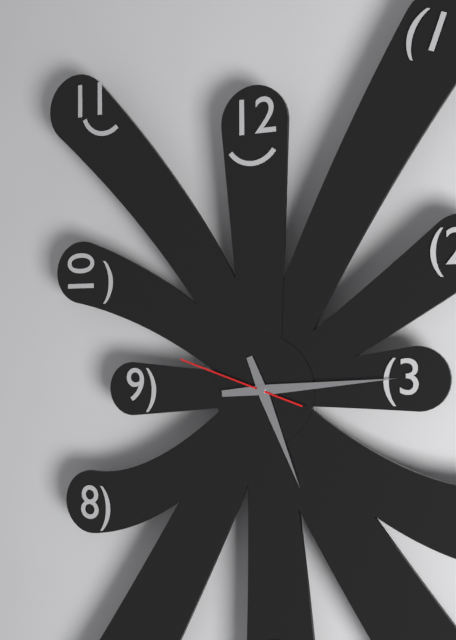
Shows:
5,14,48
